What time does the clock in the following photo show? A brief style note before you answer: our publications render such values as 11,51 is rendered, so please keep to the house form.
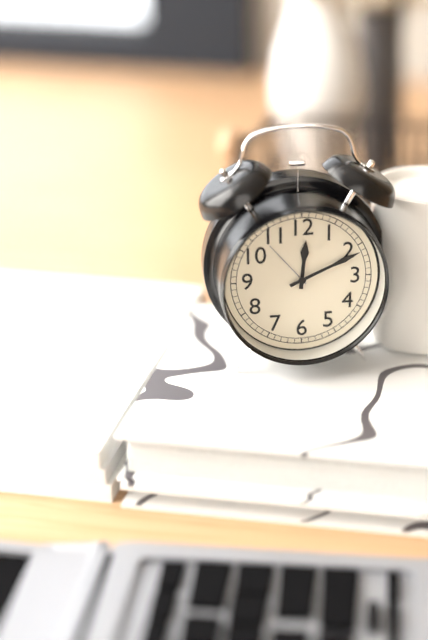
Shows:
12,11
